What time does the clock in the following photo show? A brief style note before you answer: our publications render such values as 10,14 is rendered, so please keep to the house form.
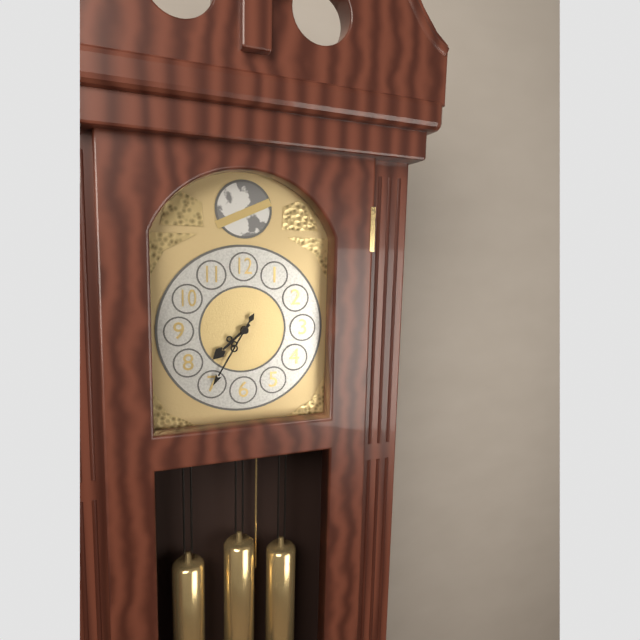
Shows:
7,35
